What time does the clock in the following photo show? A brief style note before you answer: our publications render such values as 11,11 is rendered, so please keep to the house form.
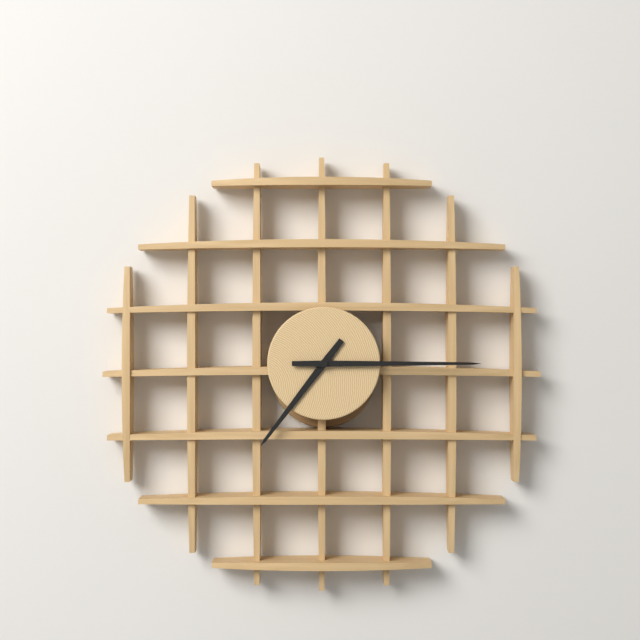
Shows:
7,15
